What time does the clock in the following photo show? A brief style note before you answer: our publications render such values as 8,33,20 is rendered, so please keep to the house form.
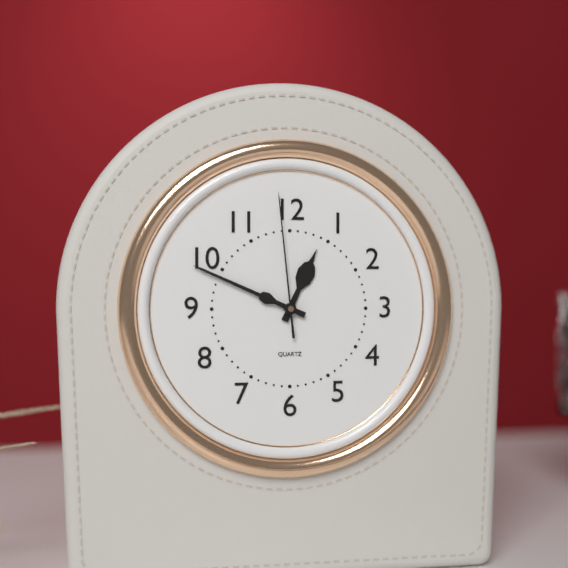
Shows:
12,49,59
